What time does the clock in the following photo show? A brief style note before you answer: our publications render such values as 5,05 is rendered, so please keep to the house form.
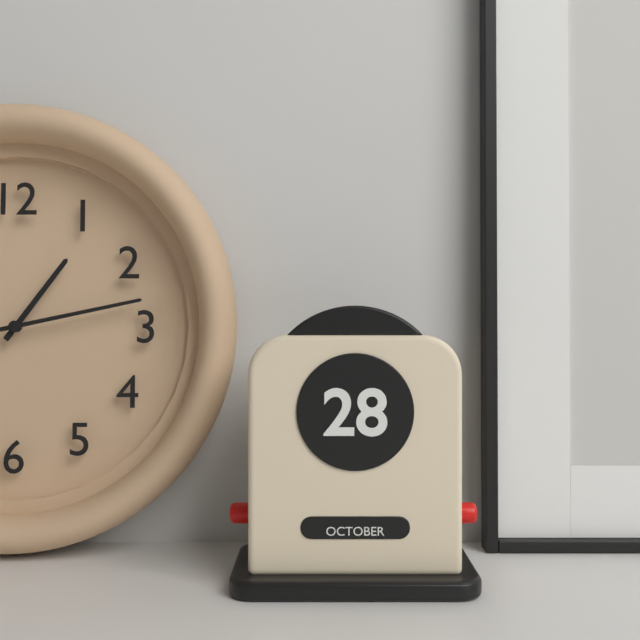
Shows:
1,13
